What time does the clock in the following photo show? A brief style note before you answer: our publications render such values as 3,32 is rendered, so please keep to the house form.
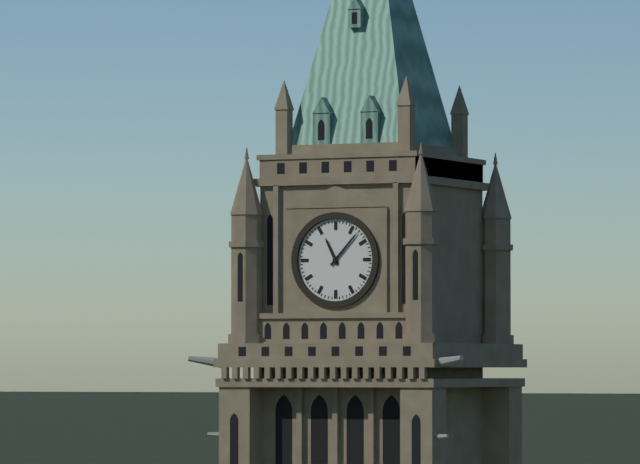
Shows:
11,07
